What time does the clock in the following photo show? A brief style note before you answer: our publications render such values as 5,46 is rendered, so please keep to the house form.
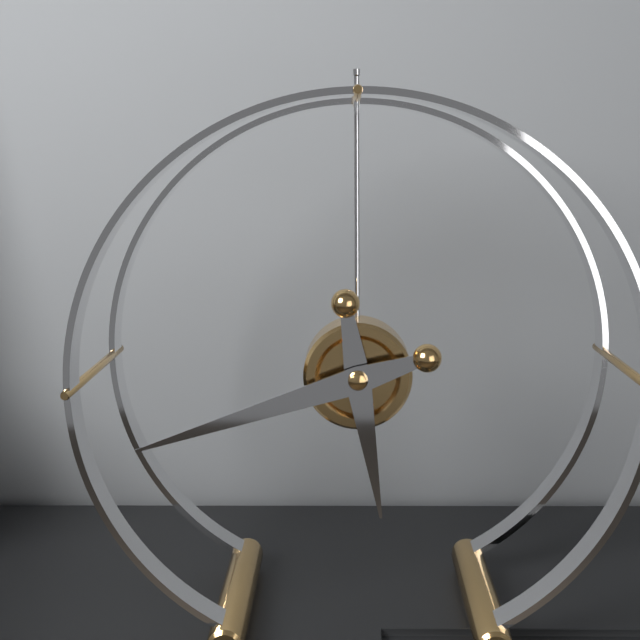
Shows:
5,42
